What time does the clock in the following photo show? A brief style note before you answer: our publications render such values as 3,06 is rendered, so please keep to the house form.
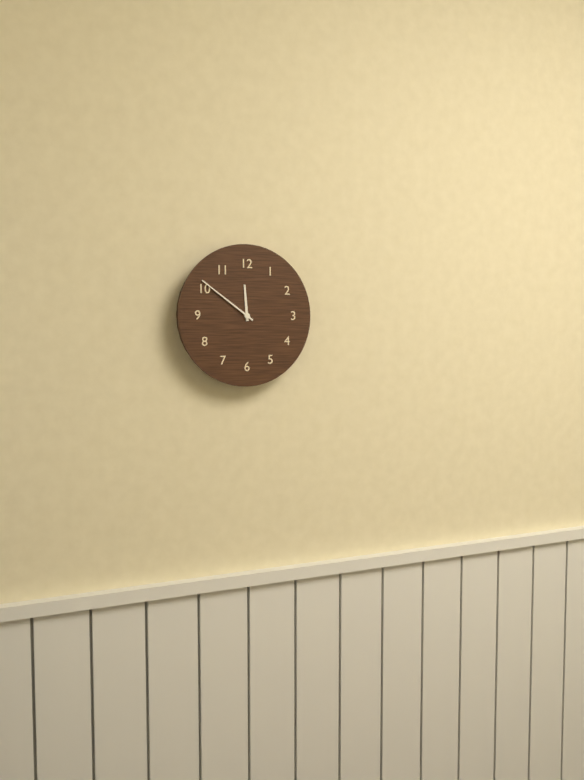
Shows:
11,51
